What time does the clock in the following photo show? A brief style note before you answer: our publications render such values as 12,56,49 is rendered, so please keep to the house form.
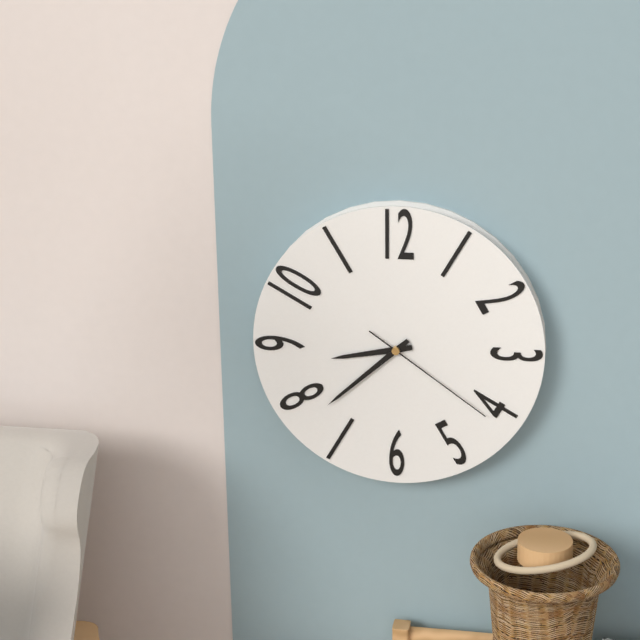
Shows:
8,38,21
